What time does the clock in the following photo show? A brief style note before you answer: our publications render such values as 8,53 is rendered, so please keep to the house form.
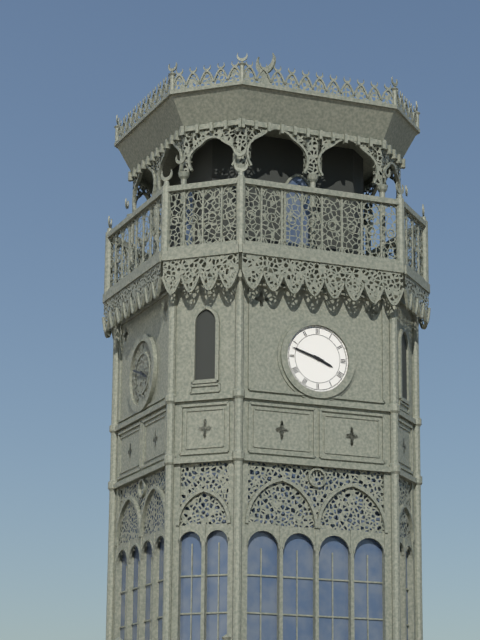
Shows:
3,48
